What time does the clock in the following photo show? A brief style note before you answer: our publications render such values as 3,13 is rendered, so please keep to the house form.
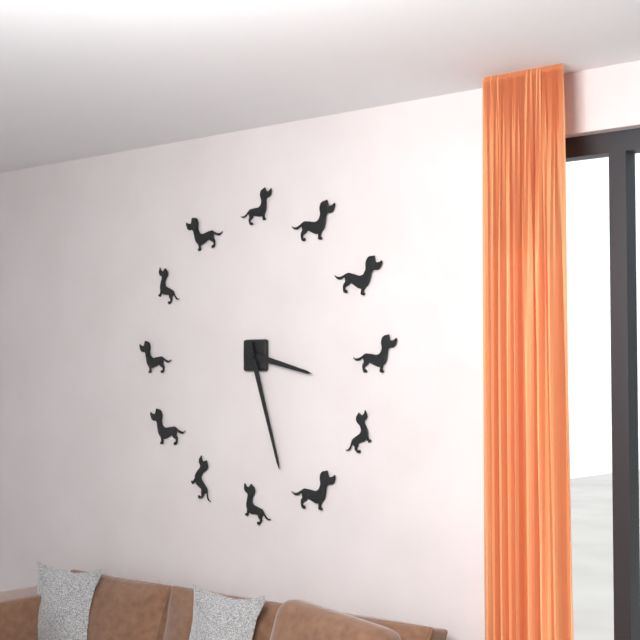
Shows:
3,27
